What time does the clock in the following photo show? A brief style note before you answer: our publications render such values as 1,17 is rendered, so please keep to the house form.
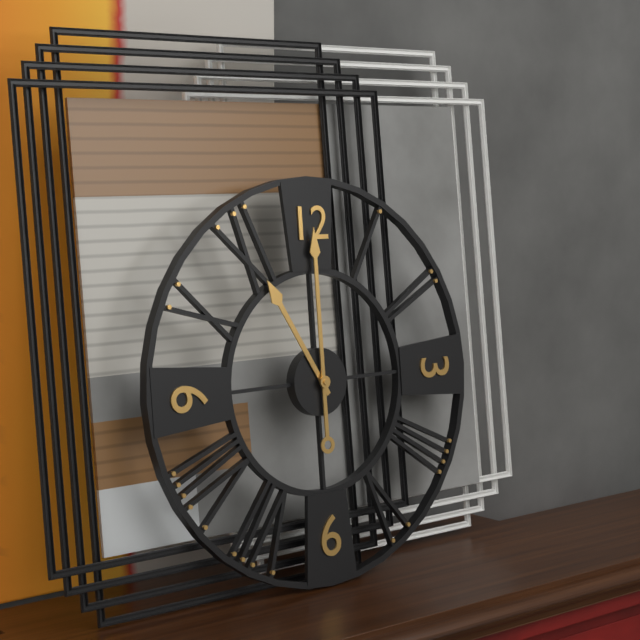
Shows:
11,00
